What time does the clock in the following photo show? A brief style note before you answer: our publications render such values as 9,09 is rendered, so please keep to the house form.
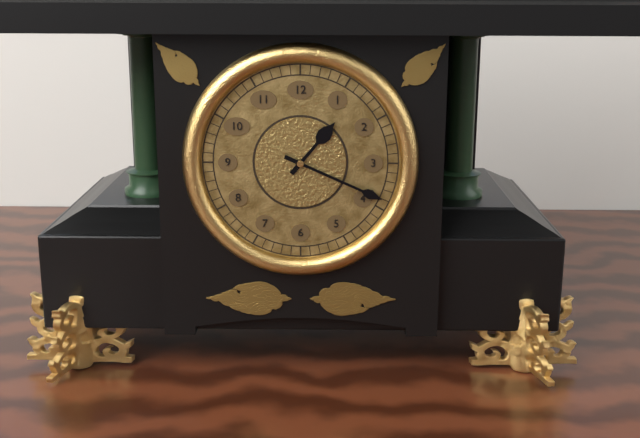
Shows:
1,19
